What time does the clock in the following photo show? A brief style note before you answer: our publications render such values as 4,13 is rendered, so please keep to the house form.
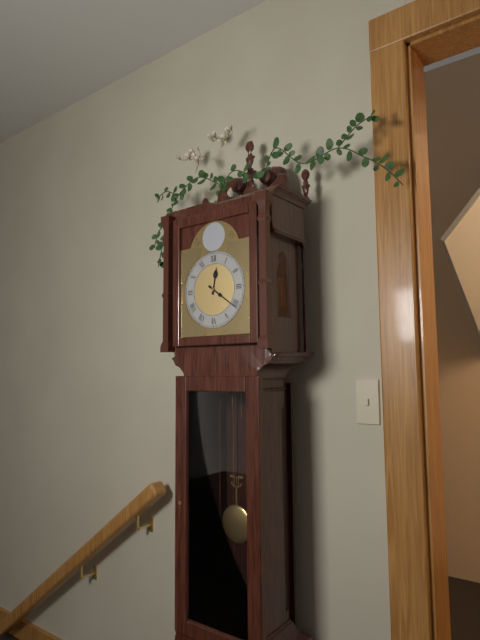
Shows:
12,21
